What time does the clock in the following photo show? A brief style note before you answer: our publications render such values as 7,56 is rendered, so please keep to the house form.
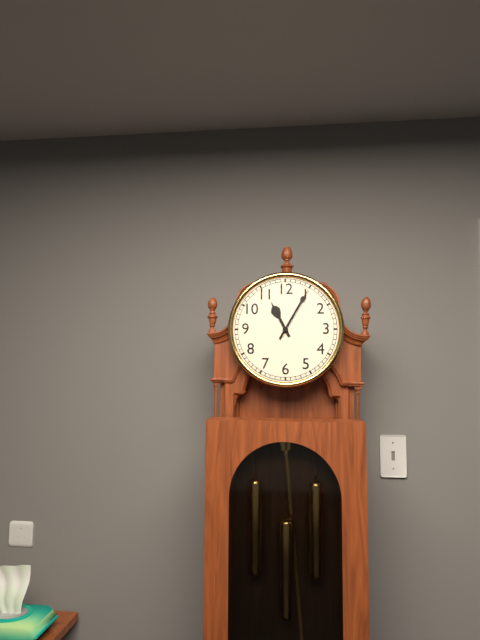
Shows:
11,05
